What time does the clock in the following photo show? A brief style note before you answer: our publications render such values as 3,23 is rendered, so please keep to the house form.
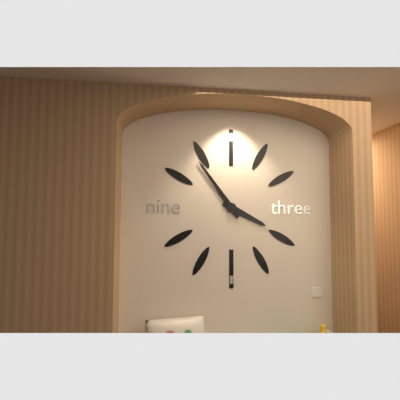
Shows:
3,54
